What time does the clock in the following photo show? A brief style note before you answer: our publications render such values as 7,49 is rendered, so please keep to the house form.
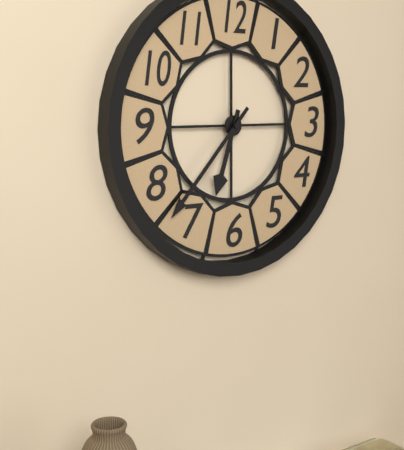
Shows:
6,37
